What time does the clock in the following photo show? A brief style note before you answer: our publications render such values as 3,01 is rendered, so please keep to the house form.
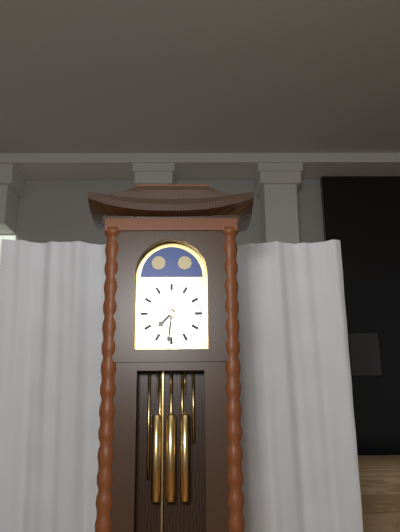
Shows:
7,31
